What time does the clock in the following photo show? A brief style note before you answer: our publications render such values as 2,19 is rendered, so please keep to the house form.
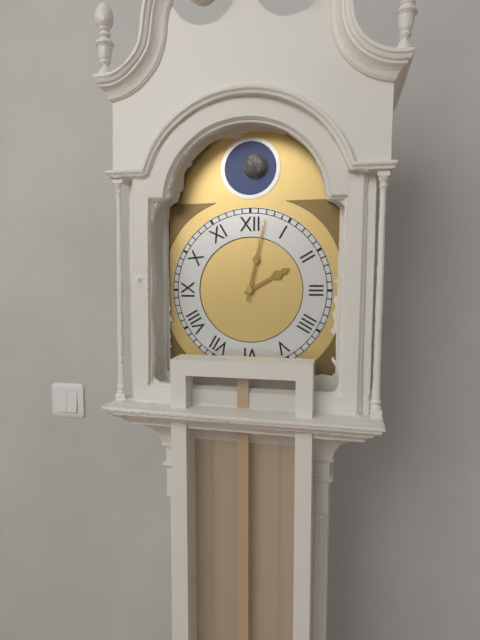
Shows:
2,02
